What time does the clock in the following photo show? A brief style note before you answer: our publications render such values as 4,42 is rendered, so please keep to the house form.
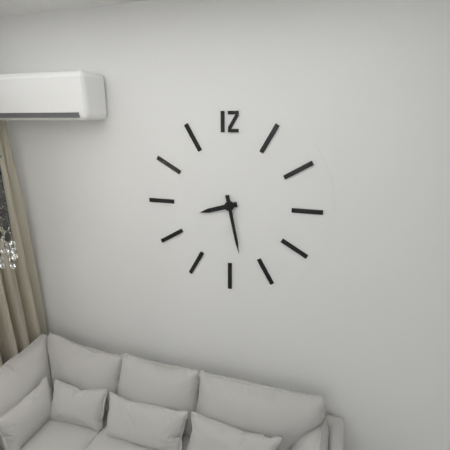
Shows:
8,28
